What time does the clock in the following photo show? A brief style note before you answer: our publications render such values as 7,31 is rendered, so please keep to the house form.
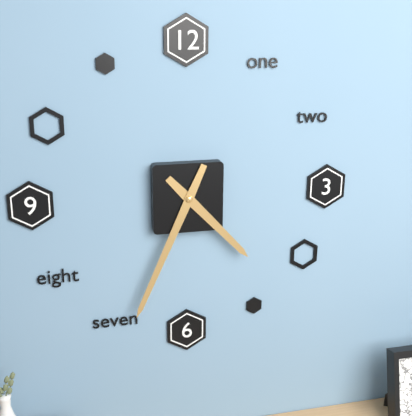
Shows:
4,34
